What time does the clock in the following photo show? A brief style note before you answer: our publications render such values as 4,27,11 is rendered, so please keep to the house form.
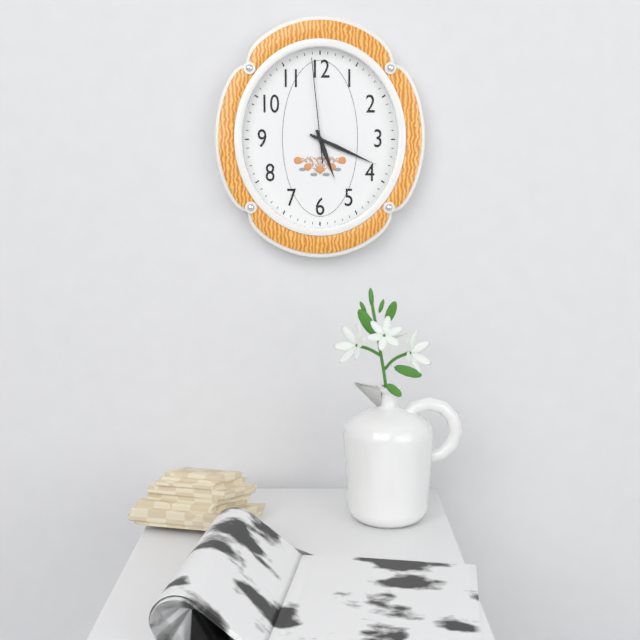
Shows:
5,19,59
